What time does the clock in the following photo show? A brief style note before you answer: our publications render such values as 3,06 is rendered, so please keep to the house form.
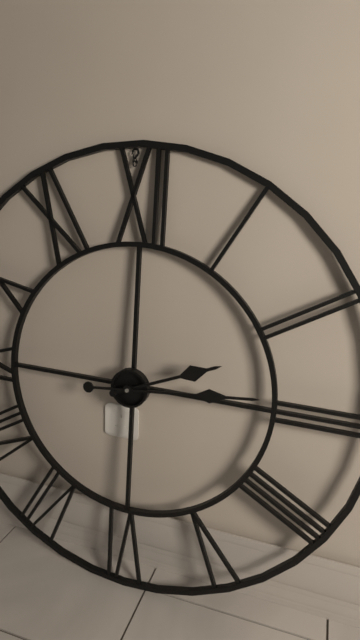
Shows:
2,14
